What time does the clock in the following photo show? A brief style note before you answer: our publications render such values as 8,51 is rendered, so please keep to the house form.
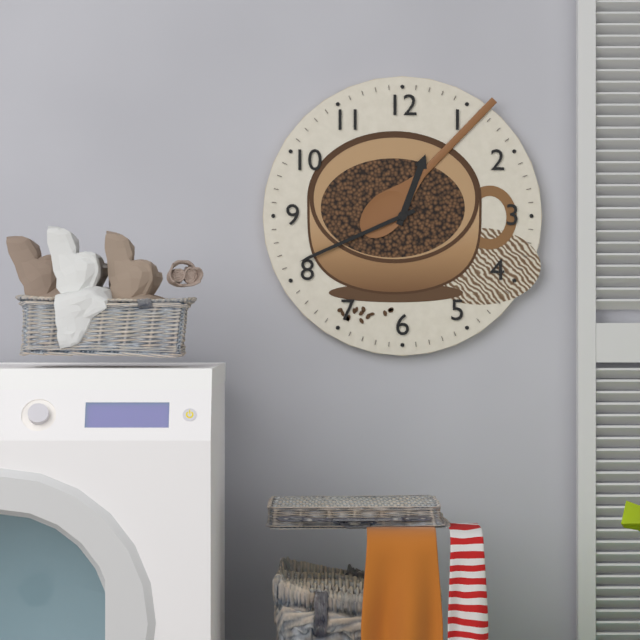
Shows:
12,41
